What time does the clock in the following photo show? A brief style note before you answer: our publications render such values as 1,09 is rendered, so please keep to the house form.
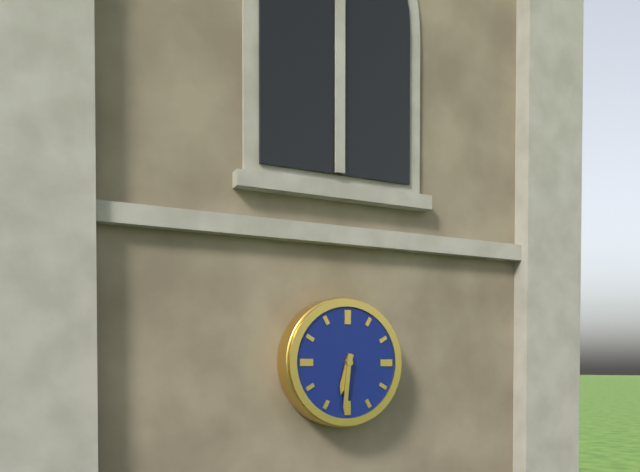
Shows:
6,31
